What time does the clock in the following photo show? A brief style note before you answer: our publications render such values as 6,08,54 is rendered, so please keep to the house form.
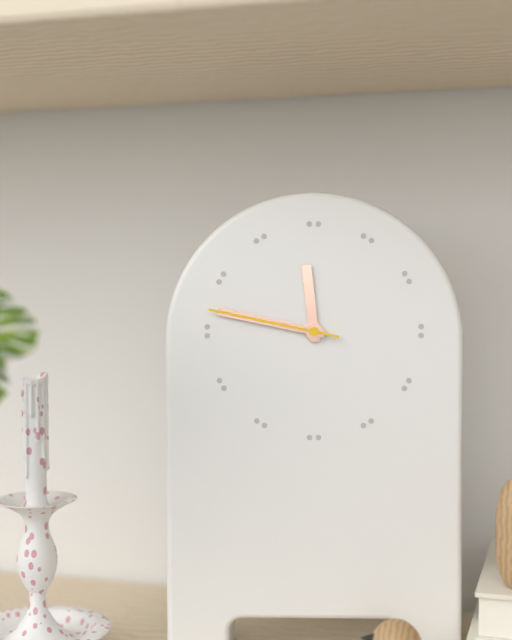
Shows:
11,47,47
